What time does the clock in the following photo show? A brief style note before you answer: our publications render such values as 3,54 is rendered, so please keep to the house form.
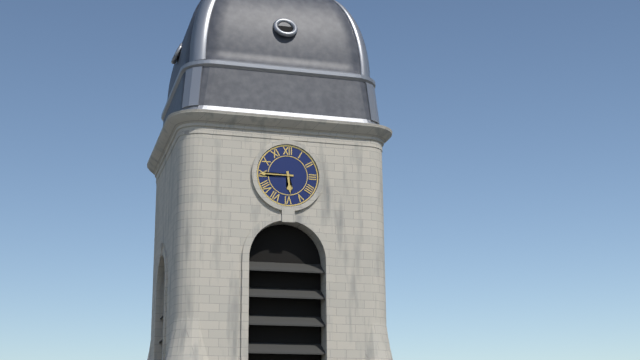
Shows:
5,45
